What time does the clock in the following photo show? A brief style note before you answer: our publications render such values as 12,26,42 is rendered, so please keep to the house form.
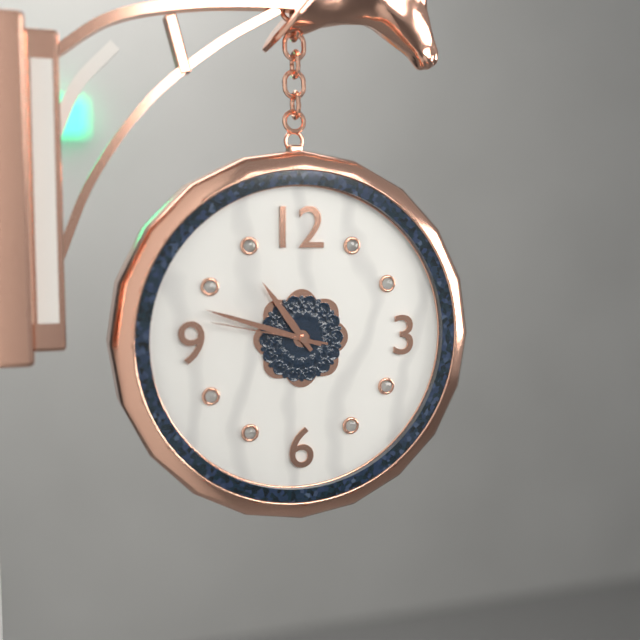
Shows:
10,48,47
